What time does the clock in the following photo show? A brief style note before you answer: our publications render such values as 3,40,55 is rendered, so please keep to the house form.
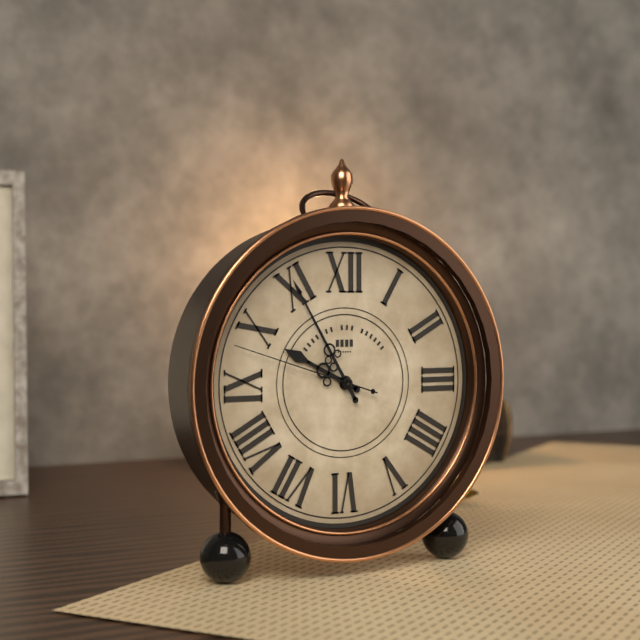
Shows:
9,55,48
